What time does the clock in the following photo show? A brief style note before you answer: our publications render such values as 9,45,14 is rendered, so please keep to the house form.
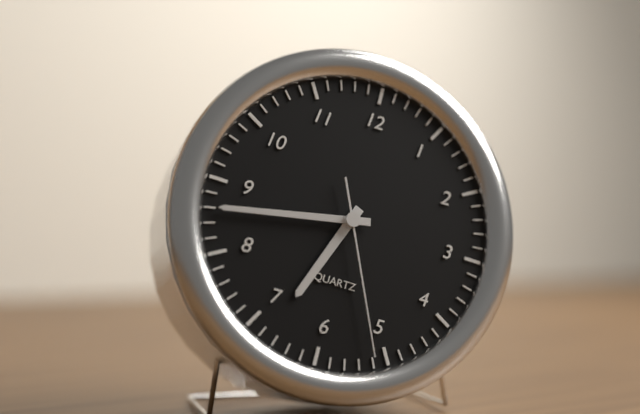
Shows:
6,43,26
